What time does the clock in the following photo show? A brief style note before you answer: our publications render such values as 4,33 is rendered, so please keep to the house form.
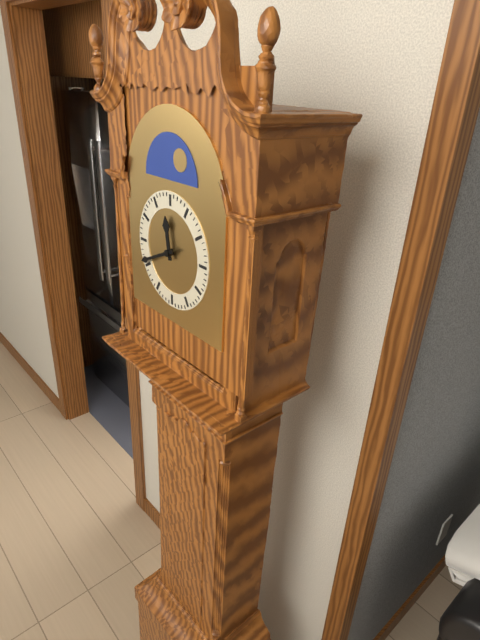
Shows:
11,41
